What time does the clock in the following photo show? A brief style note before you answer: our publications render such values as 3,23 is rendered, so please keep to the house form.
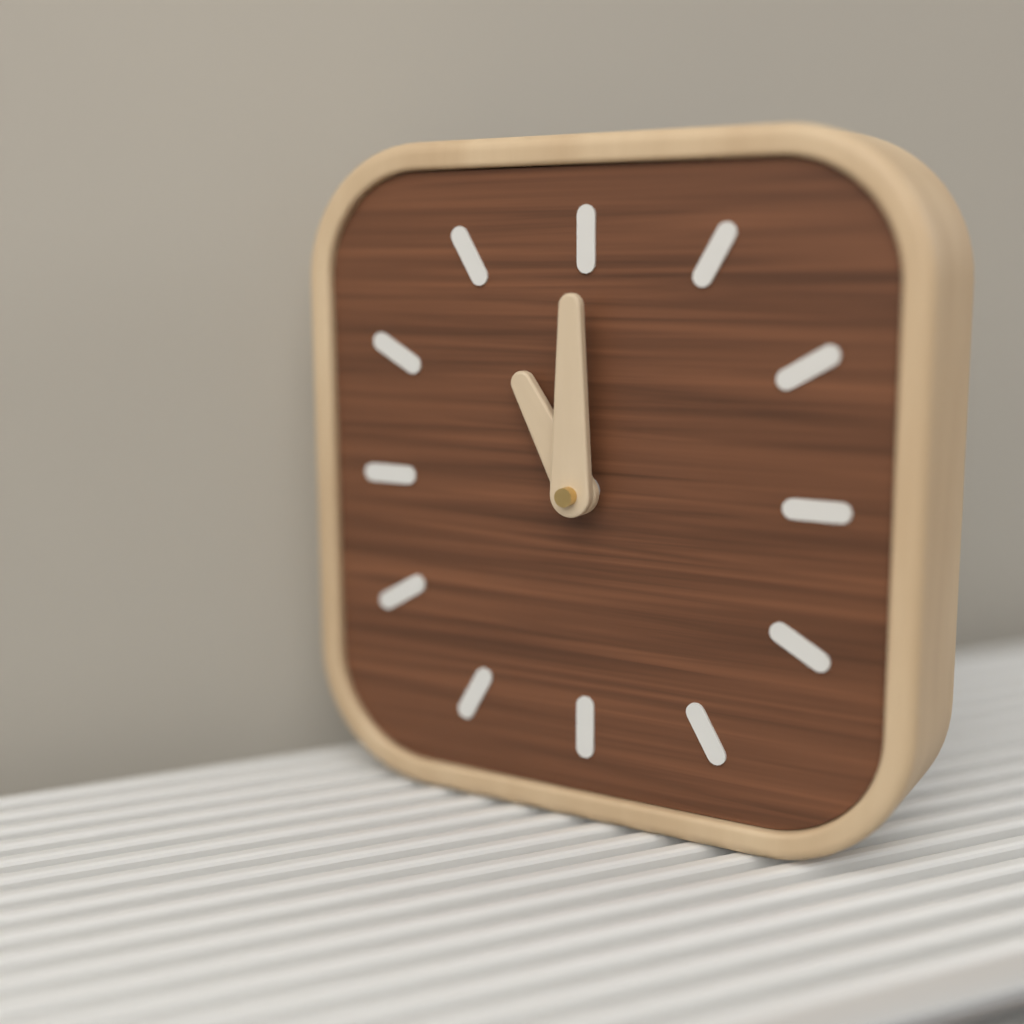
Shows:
11,00
